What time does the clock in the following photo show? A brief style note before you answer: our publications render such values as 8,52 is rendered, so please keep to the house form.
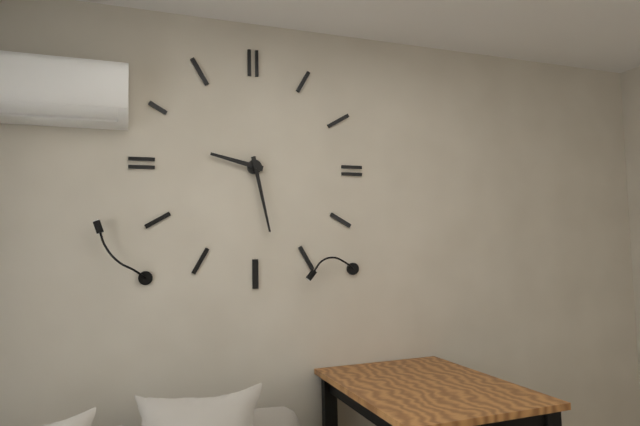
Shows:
9,28
